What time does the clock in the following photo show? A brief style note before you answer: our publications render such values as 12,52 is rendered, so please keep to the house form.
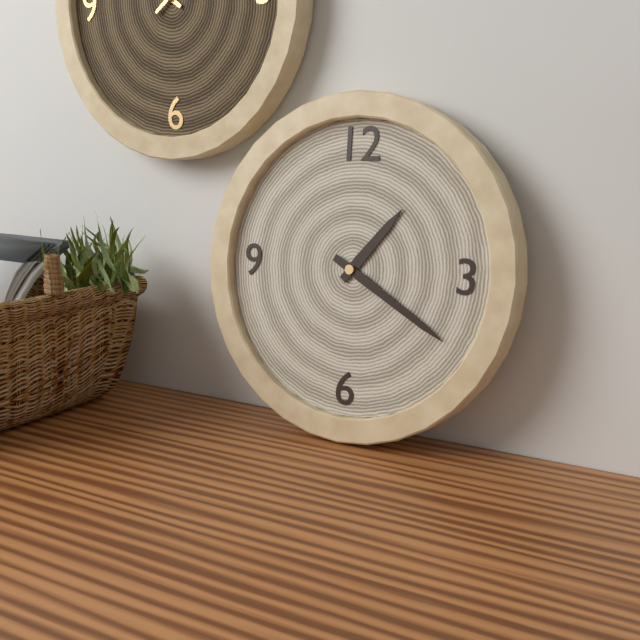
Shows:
1,20
